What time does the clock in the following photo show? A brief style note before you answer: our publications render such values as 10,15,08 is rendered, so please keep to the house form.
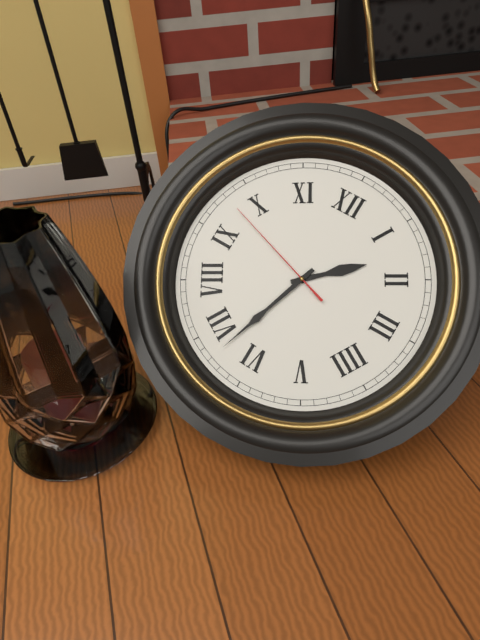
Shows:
1,33,48
